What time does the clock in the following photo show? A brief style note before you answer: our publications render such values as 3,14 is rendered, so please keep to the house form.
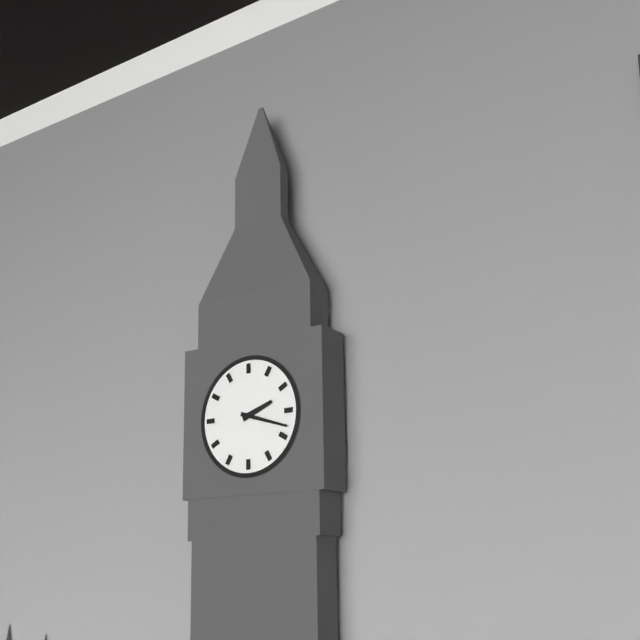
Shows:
2,18
